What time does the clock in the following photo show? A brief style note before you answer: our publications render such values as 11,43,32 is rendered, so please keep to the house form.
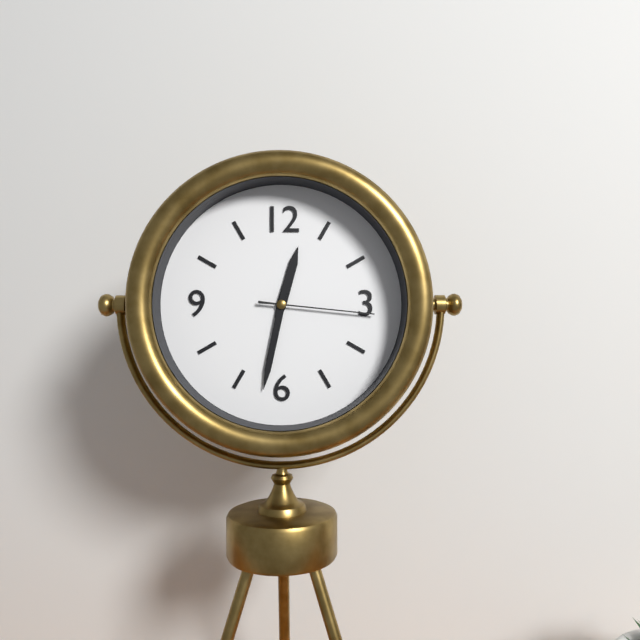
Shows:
12,32,16
